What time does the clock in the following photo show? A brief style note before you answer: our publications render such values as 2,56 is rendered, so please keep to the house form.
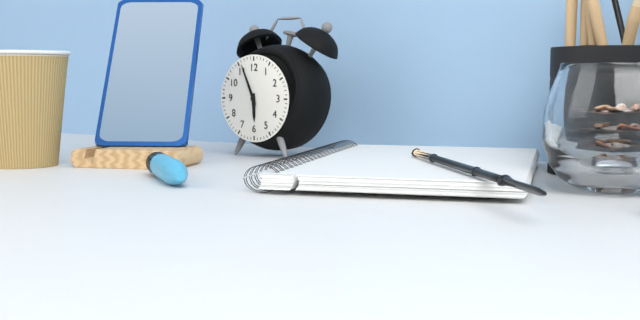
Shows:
5,56
